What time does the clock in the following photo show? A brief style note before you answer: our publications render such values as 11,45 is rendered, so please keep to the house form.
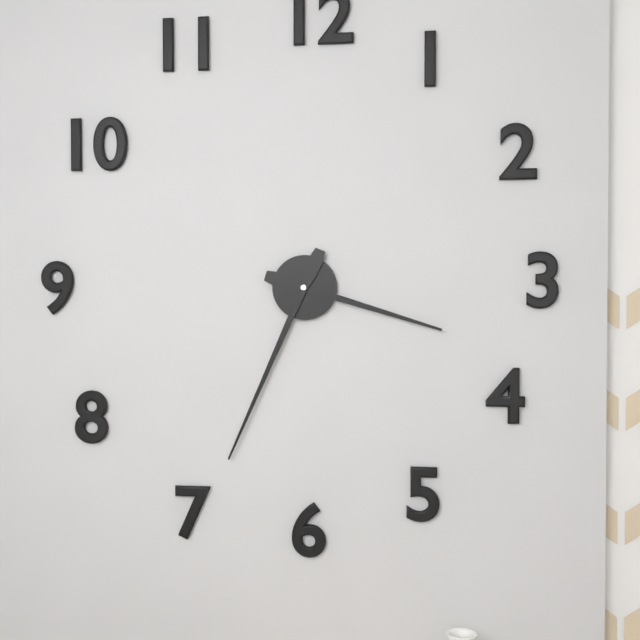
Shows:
3,34
